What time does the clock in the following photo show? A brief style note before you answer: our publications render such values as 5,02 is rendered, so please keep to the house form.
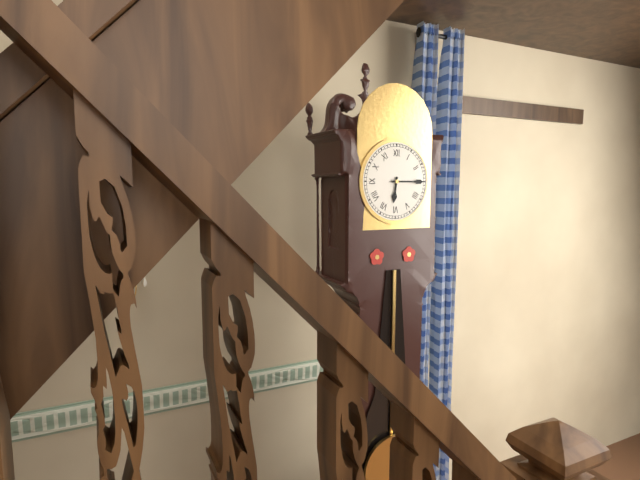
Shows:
6,15
